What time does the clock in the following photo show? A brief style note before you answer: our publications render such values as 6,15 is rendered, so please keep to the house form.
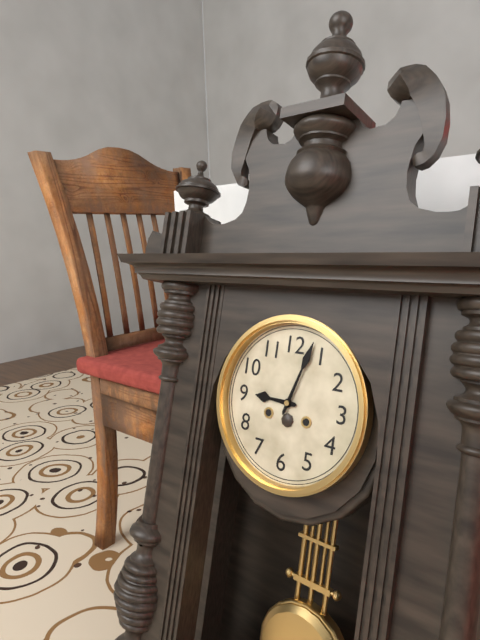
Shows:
9,03
